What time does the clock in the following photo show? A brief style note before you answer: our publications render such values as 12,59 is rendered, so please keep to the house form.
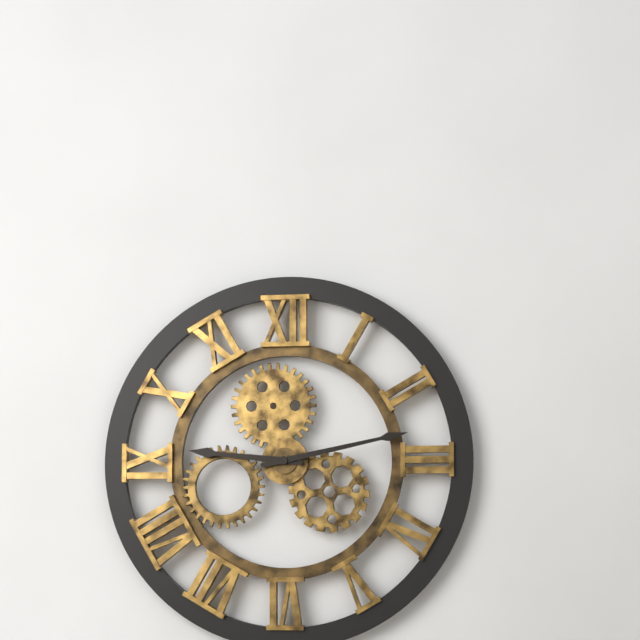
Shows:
9,13
